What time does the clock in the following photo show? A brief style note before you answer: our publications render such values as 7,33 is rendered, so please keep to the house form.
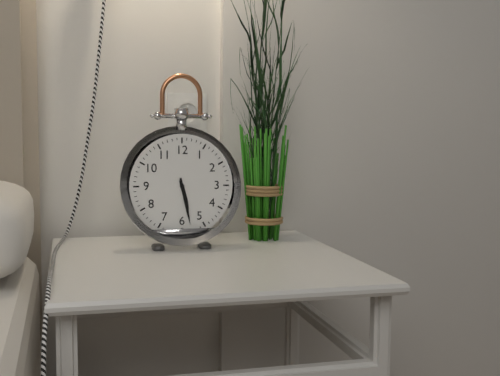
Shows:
5,28
